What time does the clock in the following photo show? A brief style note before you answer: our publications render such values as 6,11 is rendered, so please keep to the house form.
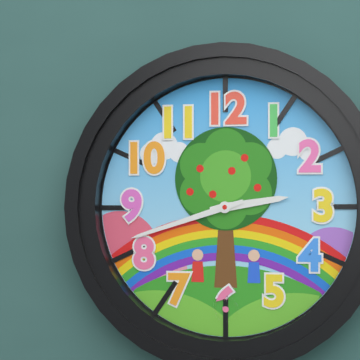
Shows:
2,42
